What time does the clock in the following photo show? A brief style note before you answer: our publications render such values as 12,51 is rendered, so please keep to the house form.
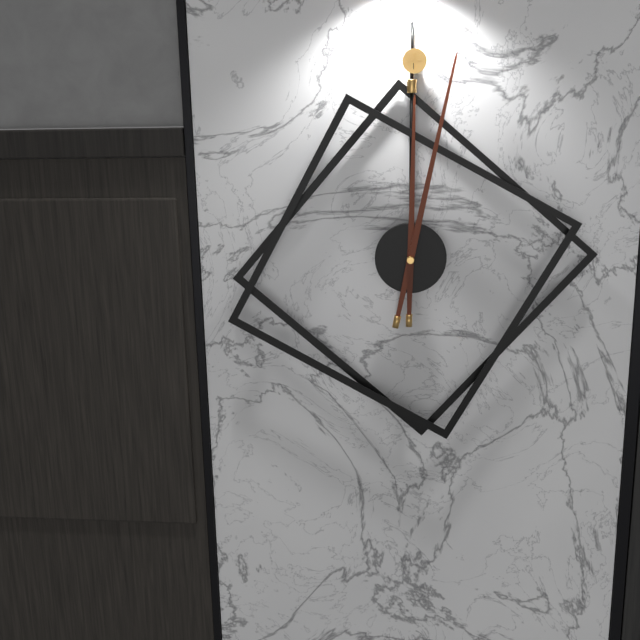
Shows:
12,02
